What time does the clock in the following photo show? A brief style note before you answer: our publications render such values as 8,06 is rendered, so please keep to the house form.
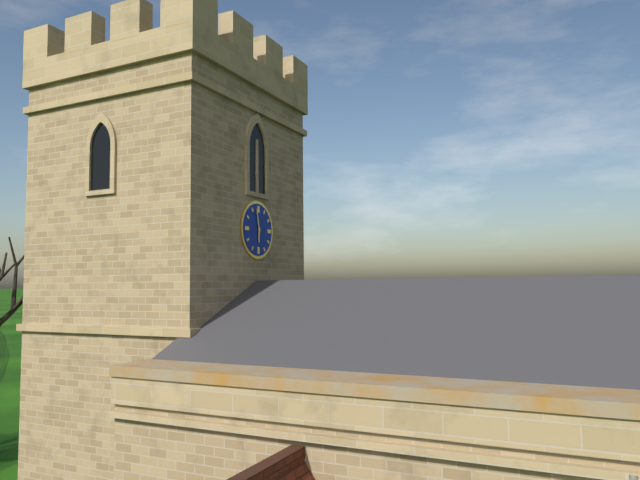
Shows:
5,58
